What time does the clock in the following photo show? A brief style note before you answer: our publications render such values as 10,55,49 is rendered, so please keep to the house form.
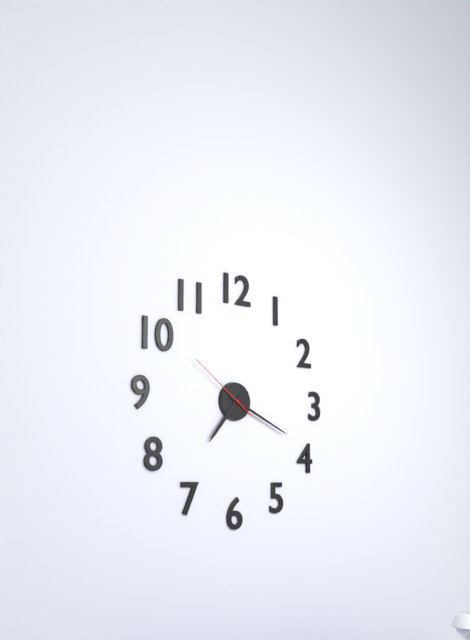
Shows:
7,19,51
